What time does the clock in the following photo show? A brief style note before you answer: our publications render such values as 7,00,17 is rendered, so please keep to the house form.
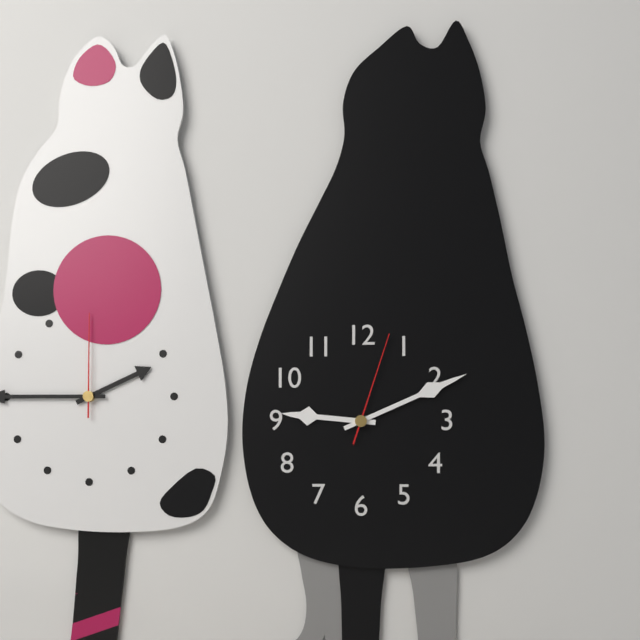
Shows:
9,11,03
